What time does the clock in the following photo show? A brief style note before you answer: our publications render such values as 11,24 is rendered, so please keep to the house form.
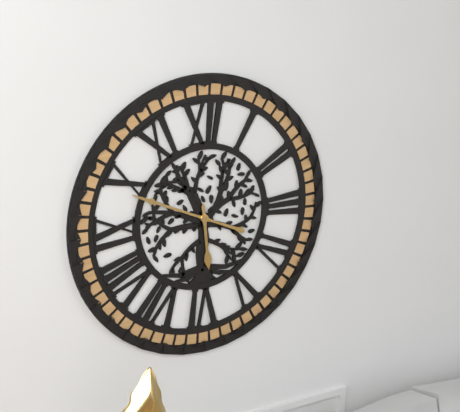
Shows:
5,49
